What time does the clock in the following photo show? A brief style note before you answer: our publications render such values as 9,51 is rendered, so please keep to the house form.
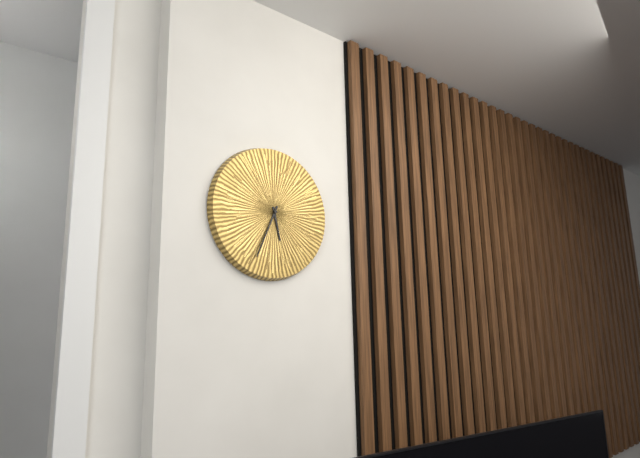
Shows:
5,34
